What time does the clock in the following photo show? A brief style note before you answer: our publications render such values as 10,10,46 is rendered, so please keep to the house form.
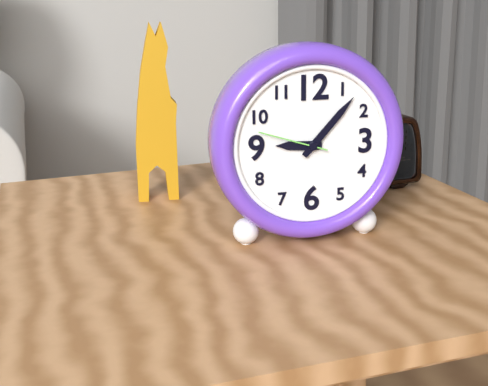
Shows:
9,07,48
